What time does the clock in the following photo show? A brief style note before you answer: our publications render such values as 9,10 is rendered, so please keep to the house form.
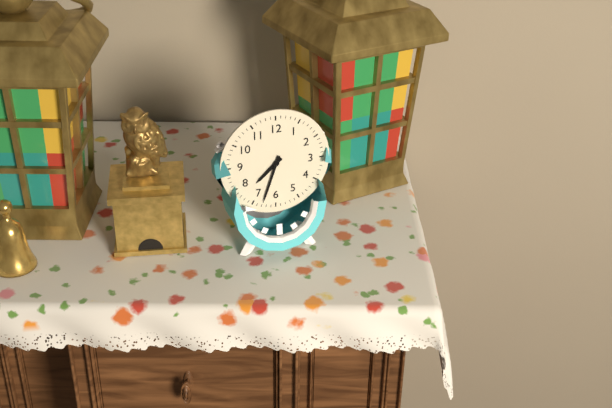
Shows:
7,33
